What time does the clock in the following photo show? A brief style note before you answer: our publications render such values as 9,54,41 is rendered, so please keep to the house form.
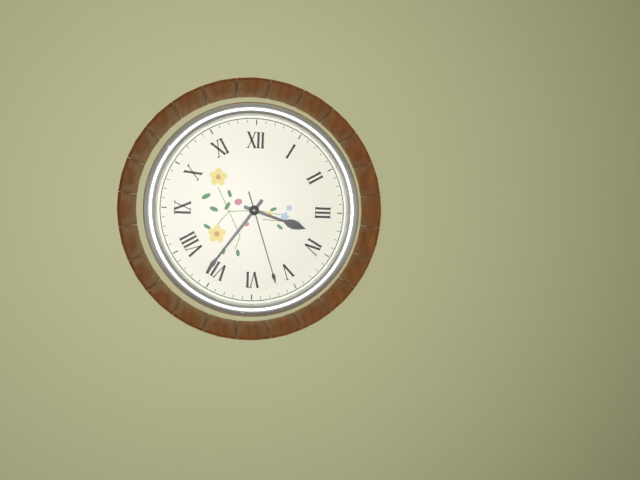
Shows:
3,36,27
